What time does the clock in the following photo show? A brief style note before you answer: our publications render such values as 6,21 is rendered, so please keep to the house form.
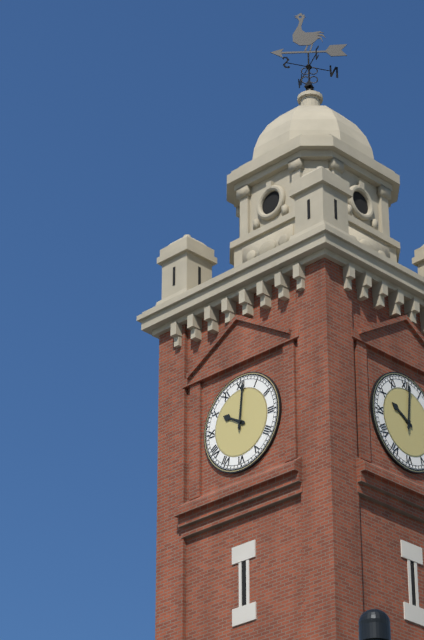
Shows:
10,01
